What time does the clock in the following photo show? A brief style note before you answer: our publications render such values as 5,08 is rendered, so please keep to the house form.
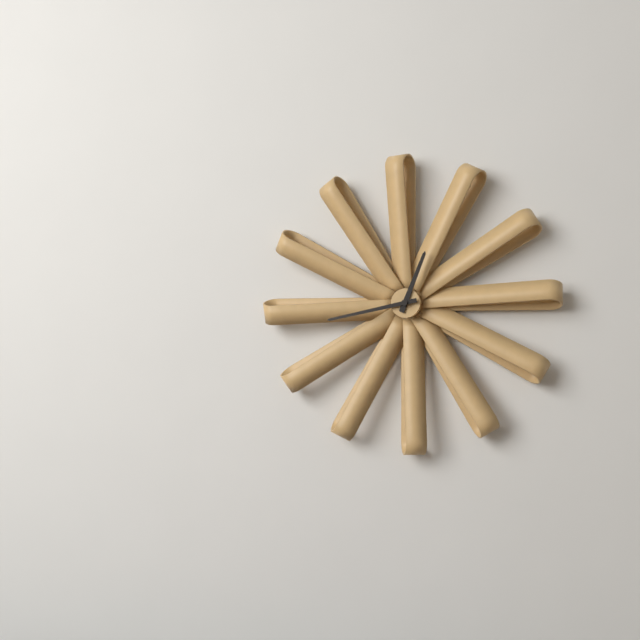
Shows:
12,43
